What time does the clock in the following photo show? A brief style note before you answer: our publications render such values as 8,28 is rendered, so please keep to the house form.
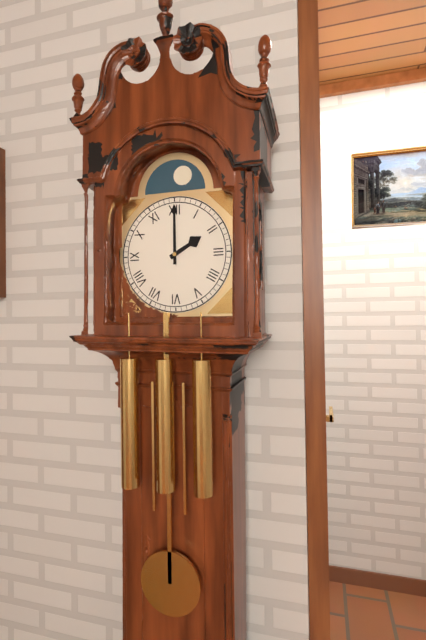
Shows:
2,00
